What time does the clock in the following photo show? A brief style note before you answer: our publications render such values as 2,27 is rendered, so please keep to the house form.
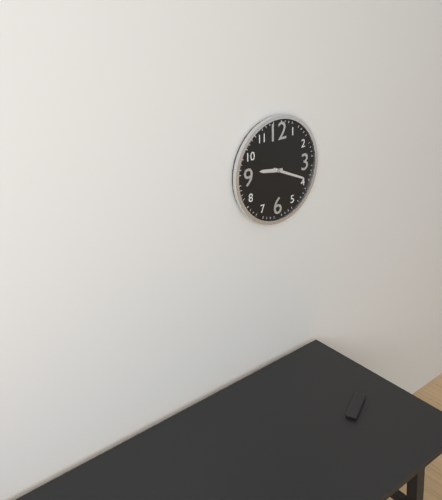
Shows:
9,19
